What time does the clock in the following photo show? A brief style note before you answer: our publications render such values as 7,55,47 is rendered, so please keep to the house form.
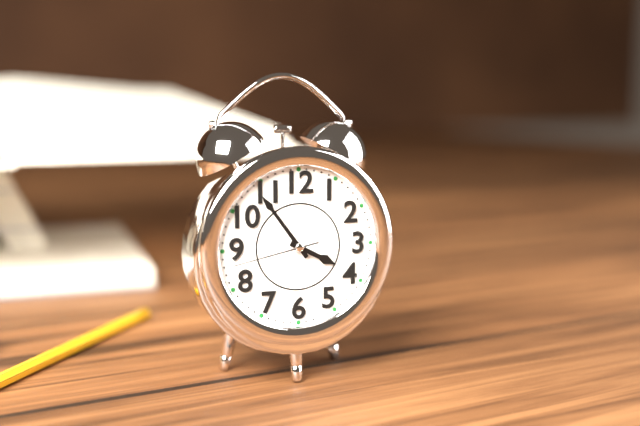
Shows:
3,54,43
